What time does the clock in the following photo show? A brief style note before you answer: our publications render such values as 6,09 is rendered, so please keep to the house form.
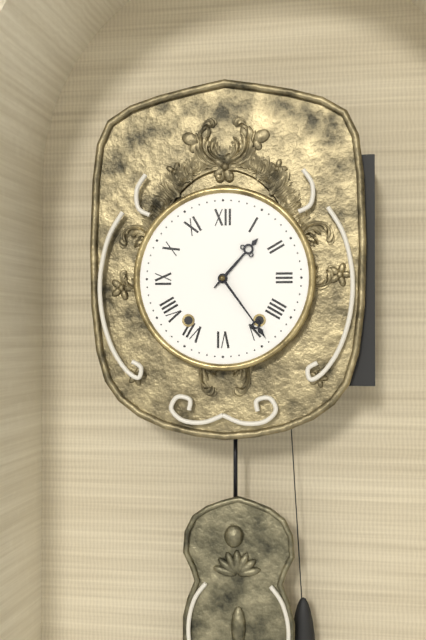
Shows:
1,24
